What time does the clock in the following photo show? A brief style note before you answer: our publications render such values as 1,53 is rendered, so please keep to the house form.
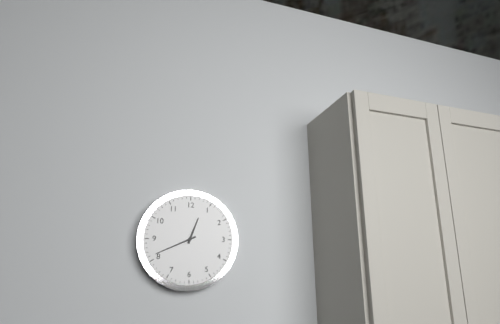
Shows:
12,41
